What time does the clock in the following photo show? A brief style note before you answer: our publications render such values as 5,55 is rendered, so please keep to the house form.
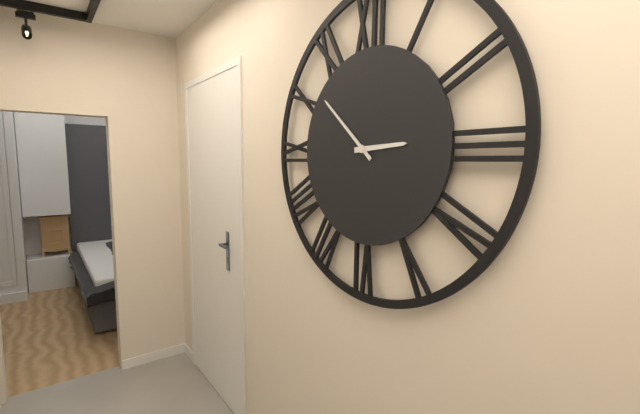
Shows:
2,52
